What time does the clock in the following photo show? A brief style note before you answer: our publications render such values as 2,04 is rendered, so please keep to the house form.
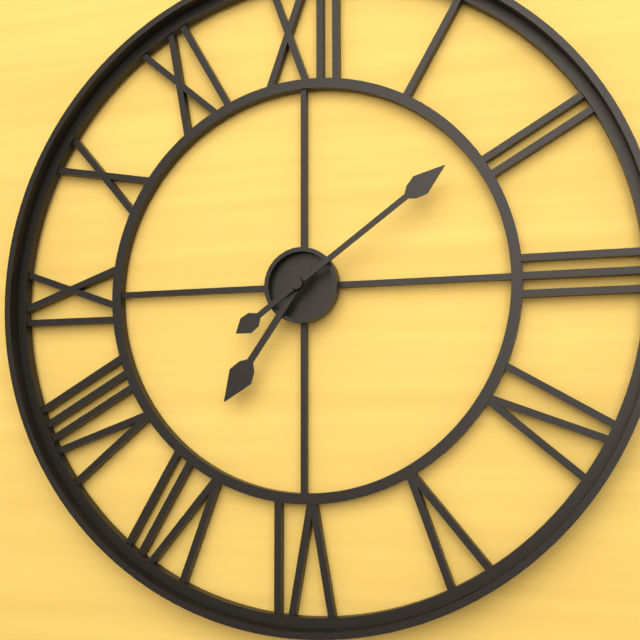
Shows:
7,09
